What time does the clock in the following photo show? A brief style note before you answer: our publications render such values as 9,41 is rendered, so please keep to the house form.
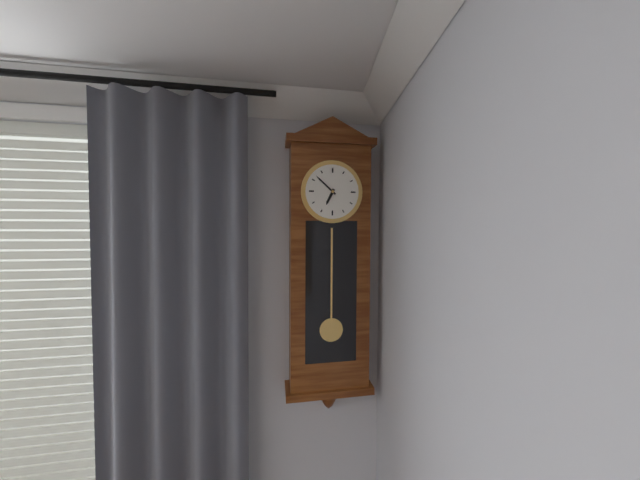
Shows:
6,52
